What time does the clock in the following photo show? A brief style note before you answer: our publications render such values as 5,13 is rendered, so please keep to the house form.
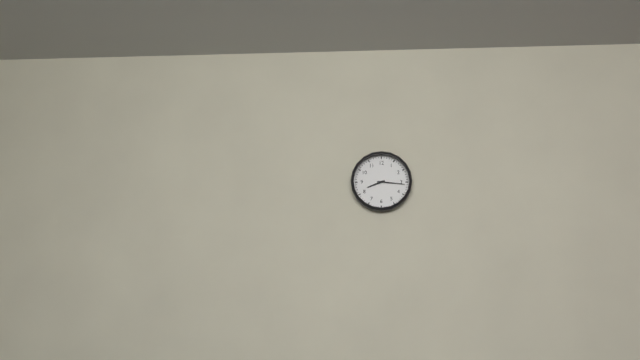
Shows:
8,16
